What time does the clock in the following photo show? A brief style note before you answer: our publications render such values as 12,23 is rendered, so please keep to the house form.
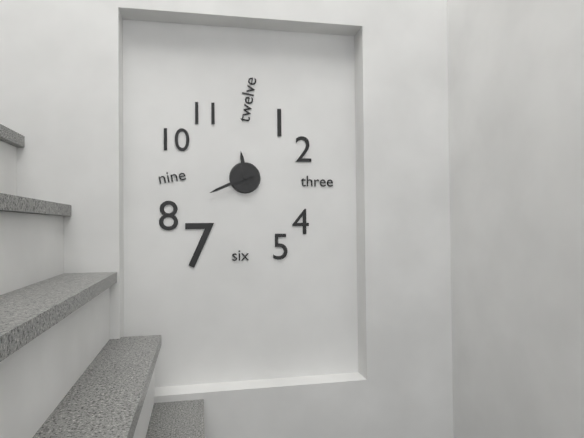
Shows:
11,41
